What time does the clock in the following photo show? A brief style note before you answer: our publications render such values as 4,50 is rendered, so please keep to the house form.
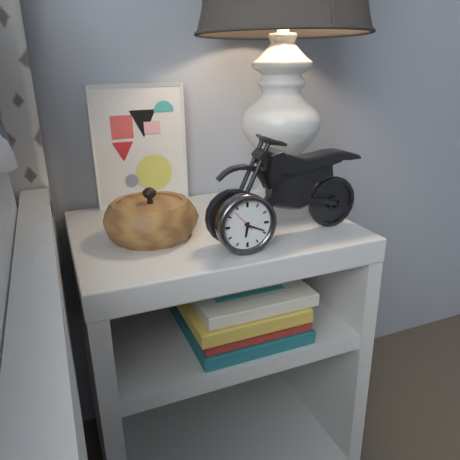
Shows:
6,19
